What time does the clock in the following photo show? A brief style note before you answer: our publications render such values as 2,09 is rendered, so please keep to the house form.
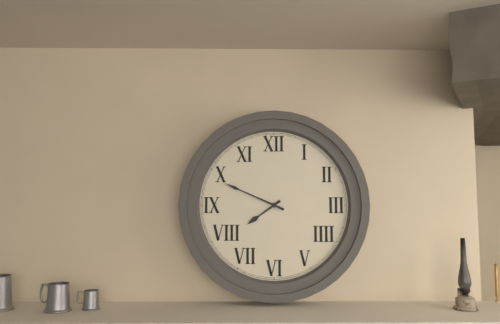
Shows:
7,49
